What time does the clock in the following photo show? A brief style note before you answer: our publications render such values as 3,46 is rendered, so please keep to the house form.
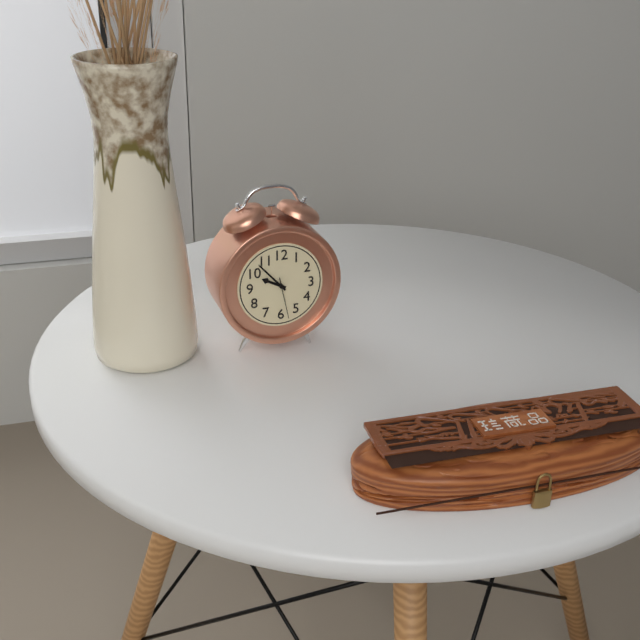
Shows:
9,53
